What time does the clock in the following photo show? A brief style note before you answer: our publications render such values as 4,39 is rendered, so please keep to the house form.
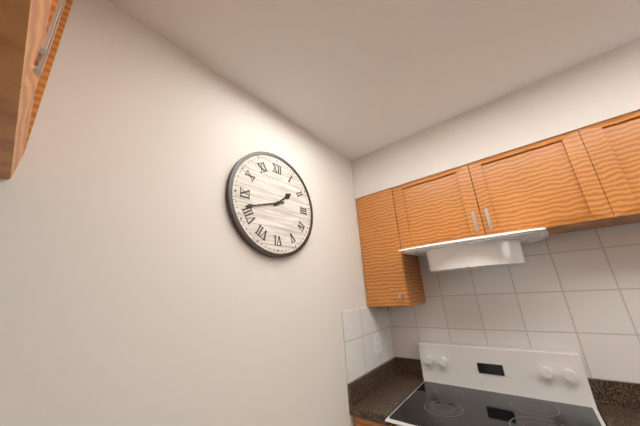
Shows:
1,42
